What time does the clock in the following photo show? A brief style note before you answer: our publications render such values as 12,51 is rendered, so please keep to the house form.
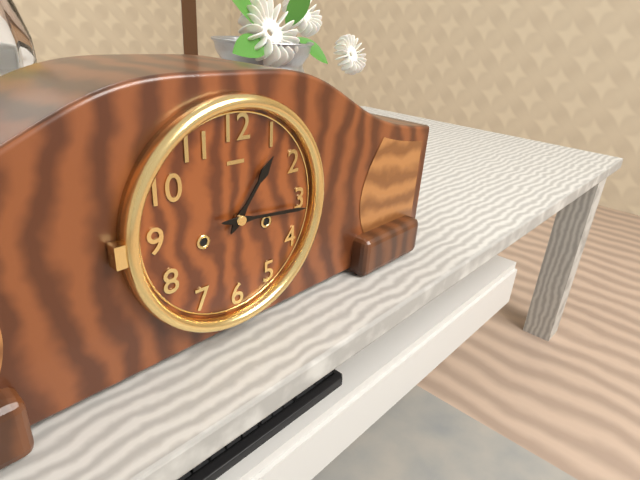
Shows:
1,16
